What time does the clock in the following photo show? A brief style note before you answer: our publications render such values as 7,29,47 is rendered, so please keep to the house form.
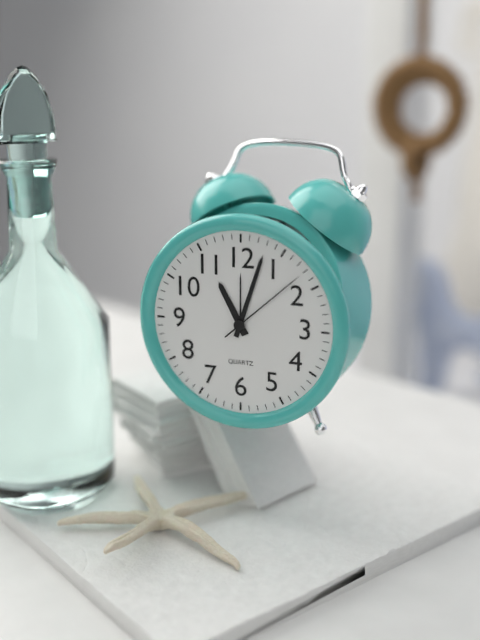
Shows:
11,03,08
